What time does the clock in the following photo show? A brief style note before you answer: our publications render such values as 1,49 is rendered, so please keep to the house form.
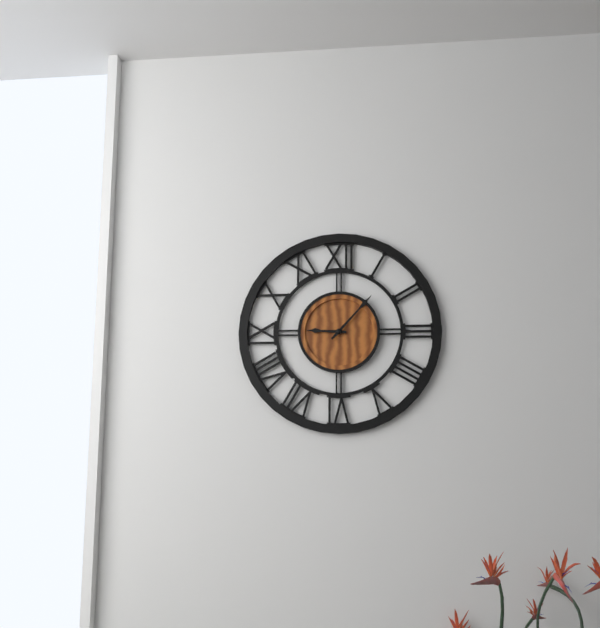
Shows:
9,07
